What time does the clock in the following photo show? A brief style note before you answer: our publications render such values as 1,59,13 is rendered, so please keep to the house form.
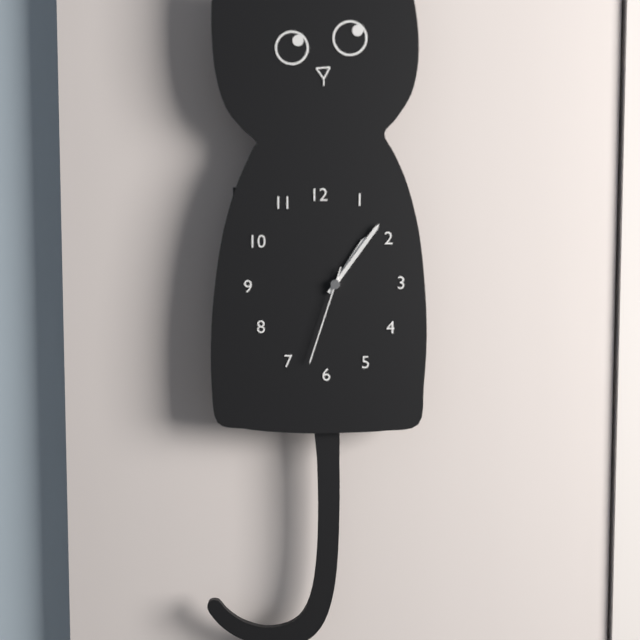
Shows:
1,06,33
